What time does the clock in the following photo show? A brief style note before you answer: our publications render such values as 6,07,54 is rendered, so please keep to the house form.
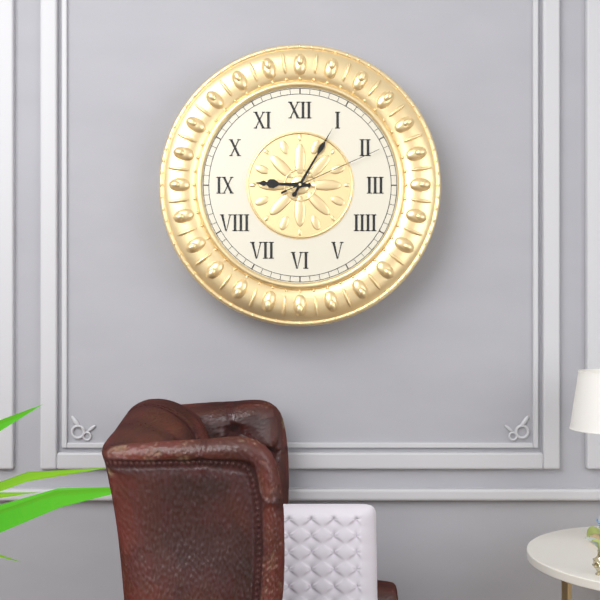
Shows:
9,05,11
